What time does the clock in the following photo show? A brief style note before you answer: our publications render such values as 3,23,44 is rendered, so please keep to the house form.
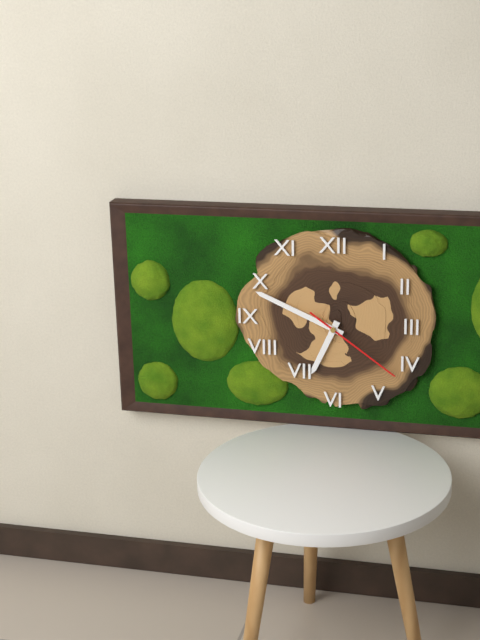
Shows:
6,49,21
